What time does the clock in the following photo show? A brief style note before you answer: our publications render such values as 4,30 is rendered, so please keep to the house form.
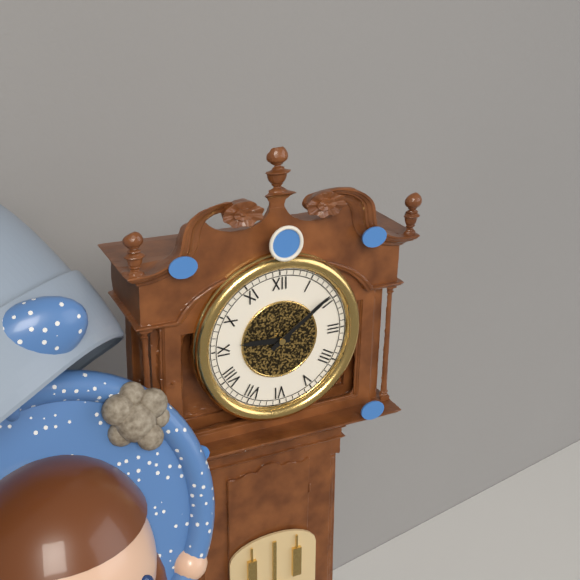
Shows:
9,09
